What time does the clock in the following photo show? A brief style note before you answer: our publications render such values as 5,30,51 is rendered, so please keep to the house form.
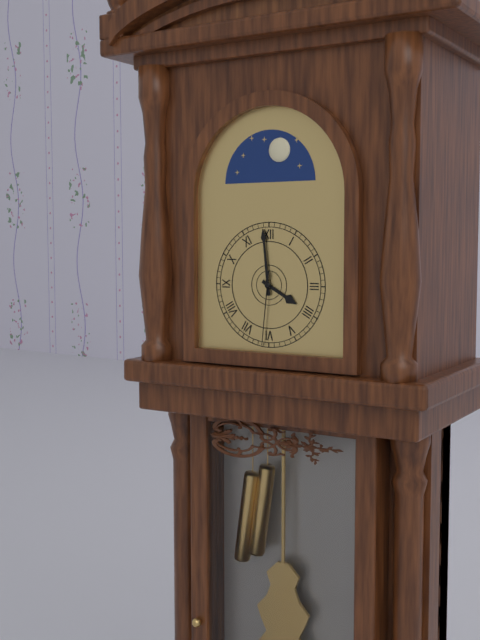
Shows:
3,59,31
